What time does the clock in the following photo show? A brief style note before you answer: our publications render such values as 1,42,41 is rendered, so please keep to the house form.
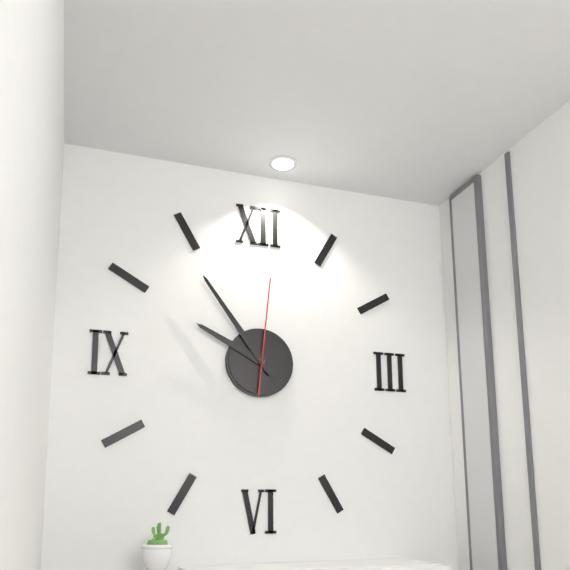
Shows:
9,54,01
